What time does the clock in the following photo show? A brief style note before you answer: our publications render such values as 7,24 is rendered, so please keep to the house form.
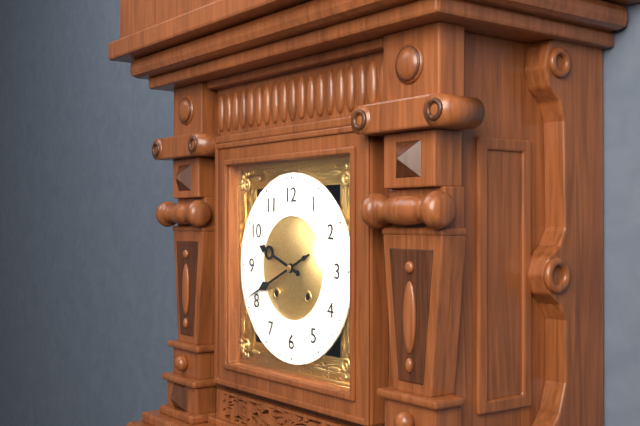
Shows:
9,41
